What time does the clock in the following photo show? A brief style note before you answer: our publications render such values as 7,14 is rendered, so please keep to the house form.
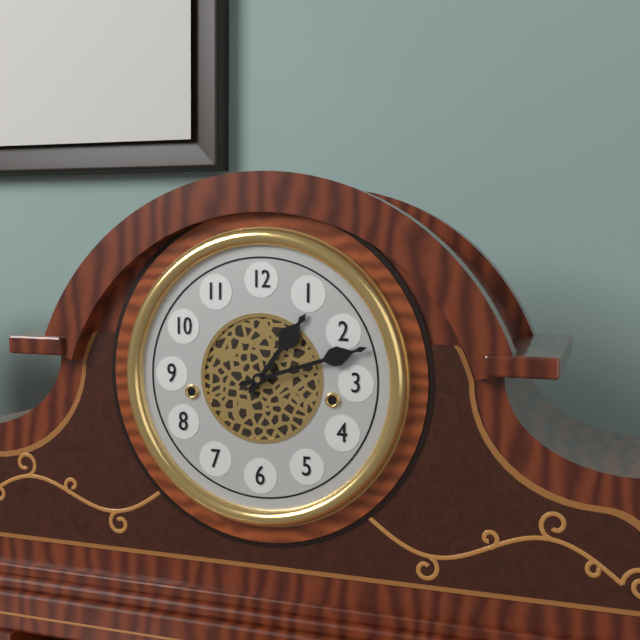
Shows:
1,12
